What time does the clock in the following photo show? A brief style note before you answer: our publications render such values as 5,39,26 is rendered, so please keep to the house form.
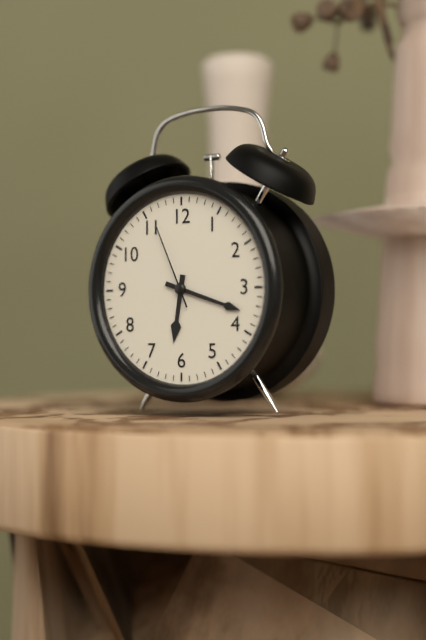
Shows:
6,18,56
